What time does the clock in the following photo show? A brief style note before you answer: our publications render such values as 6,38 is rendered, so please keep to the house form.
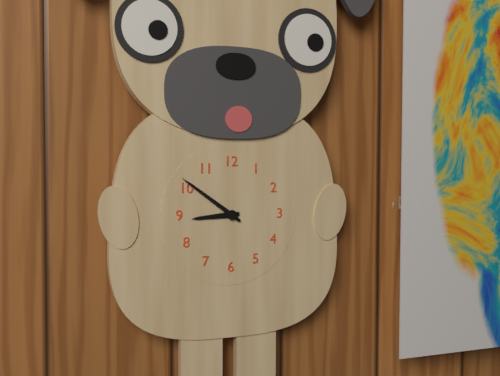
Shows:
8,51
